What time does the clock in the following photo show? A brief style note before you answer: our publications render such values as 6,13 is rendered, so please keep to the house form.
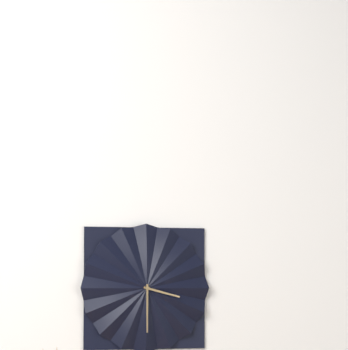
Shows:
3,30
